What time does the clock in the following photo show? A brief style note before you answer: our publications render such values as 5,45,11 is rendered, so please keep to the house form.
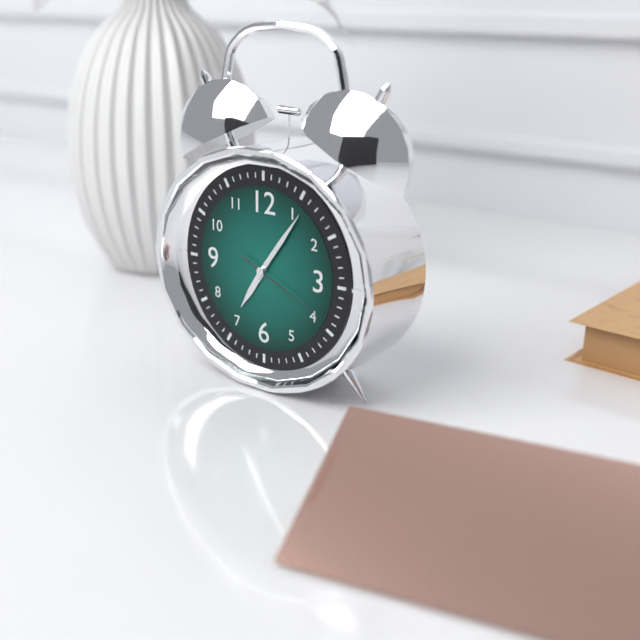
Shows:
7,06,19
